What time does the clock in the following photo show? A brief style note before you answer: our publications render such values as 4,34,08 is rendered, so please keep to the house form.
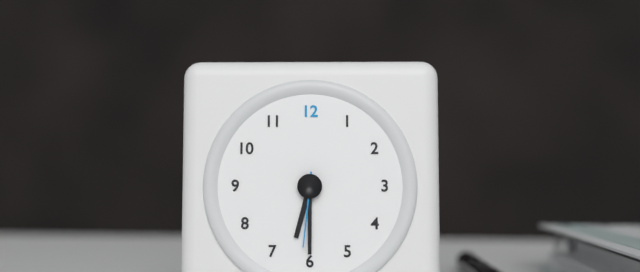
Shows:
6,30,31
